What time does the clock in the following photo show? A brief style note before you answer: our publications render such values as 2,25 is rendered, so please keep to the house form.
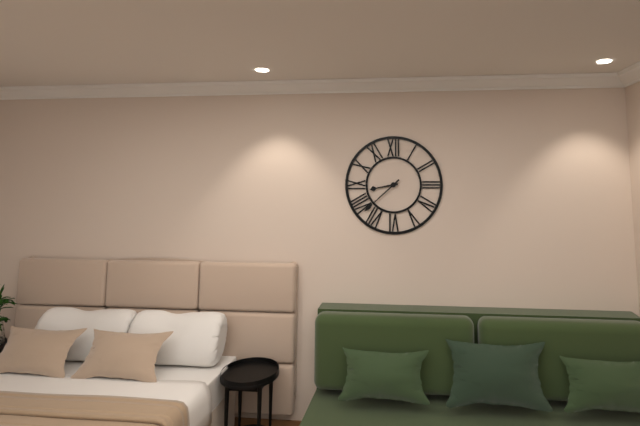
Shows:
8,38
